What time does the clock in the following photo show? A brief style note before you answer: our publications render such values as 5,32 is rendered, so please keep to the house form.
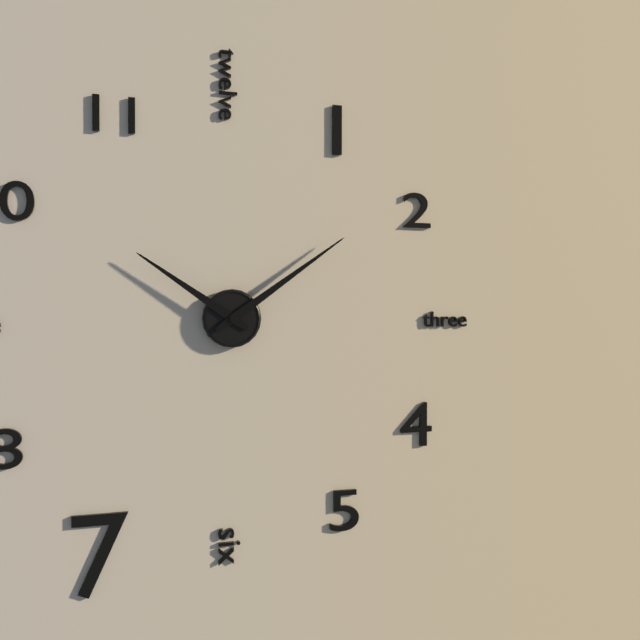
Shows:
10,09
